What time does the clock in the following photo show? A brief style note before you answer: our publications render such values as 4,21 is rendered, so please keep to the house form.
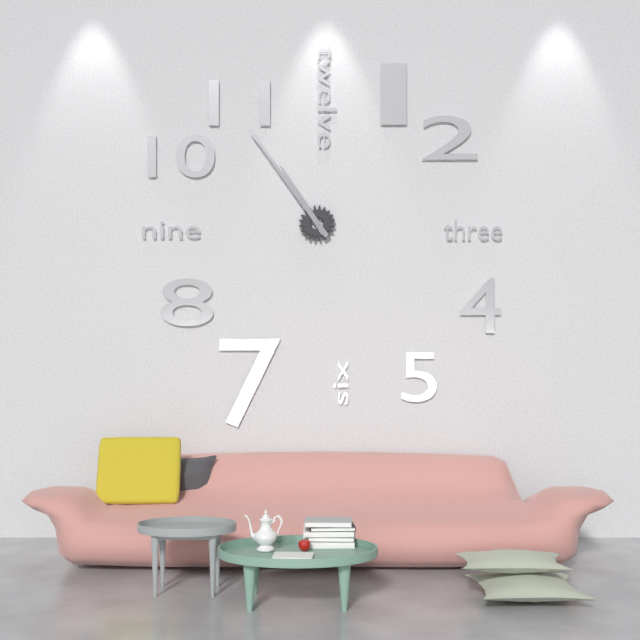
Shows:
10,54
